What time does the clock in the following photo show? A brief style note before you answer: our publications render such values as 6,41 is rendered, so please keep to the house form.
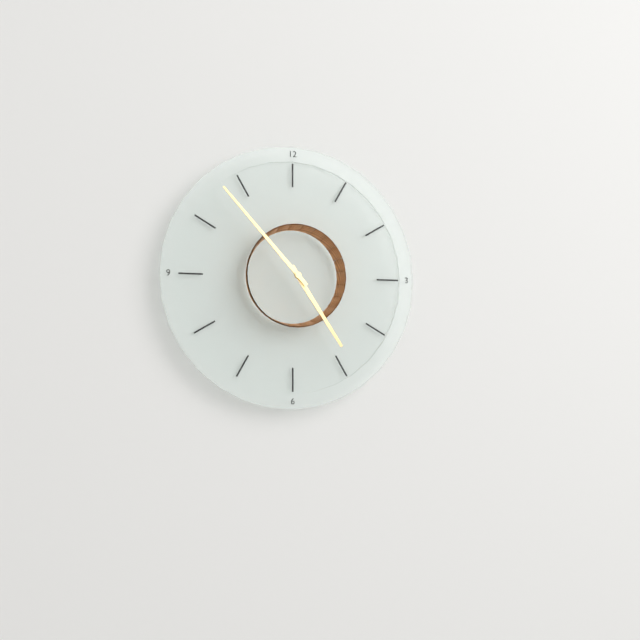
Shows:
4,53
